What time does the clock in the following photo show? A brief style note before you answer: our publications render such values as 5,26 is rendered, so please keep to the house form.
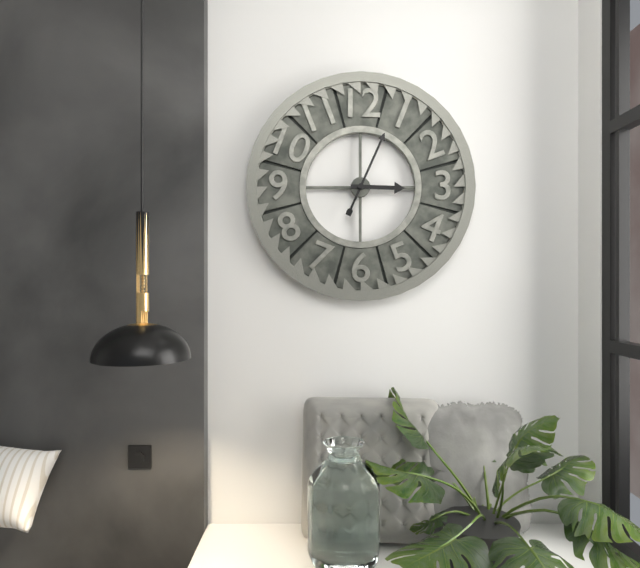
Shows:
3,04
